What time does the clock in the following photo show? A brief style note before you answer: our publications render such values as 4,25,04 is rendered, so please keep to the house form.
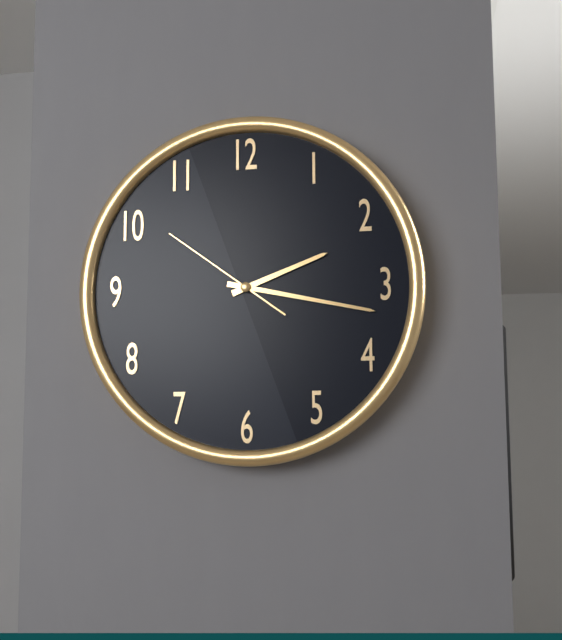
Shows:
2,17,51
